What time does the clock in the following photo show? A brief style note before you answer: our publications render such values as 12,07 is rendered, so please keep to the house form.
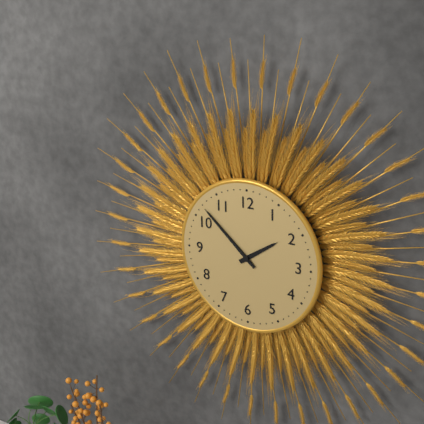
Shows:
1,52
